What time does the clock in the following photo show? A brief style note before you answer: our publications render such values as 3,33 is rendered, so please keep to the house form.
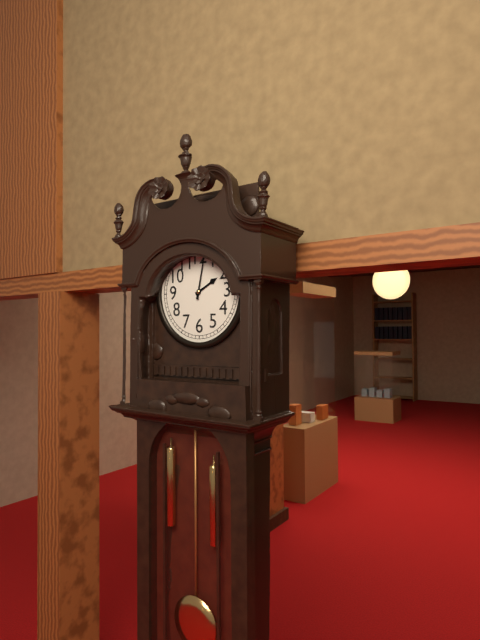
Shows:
2,02
